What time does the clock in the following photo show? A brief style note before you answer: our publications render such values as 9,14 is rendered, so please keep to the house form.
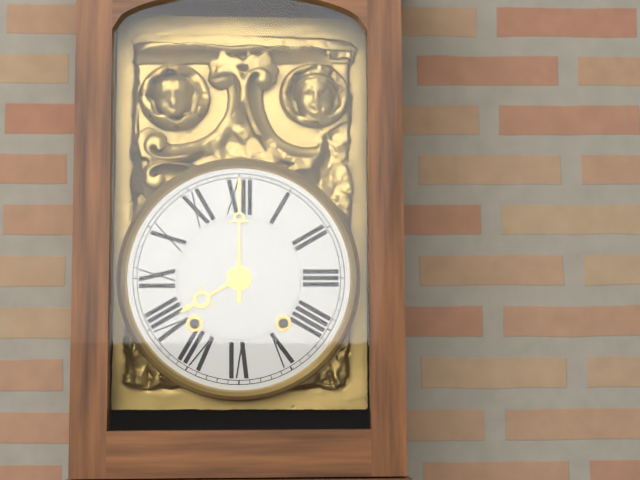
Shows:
8,00
